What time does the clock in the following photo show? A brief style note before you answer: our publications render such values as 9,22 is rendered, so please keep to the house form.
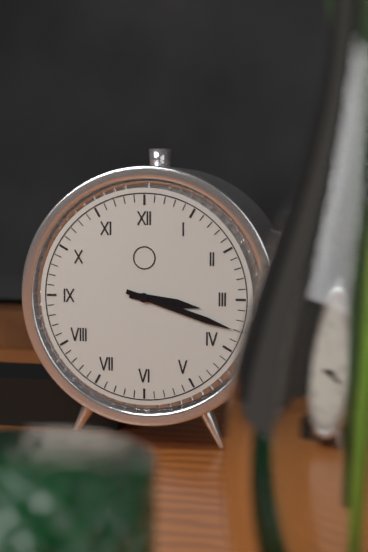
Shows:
3,18
